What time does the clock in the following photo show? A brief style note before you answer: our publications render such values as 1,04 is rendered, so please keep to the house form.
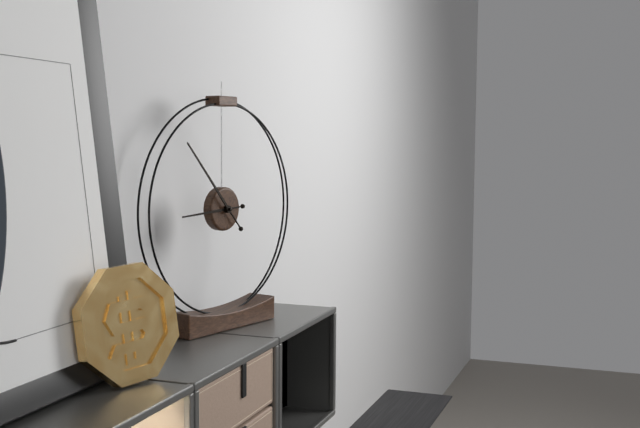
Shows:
8,53
